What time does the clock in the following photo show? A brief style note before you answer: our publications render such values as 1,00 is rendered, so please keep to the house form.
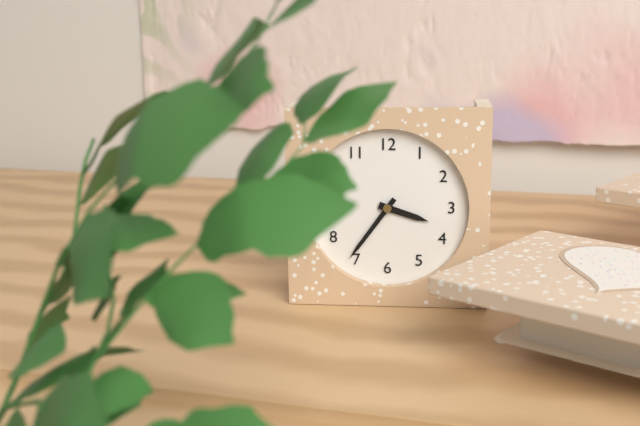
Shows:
3,36
